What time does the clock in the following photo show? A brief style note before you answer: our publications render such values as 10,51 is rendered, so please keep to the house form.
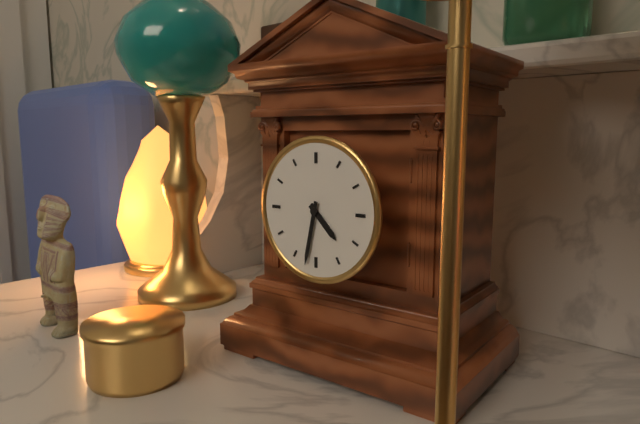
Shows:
4,32
